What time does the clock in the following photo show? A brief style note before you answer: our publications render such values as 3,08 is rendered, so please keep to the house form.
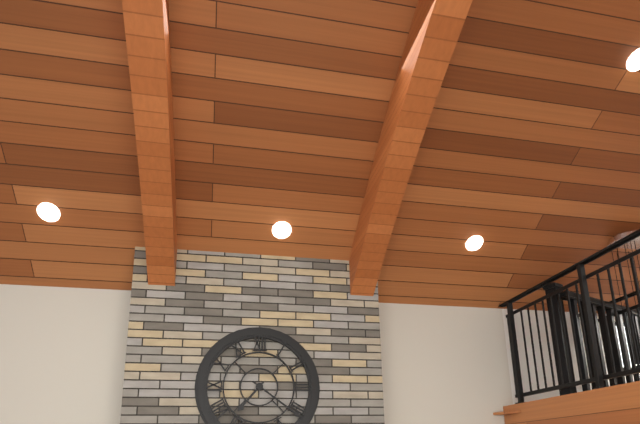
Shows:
7,21
